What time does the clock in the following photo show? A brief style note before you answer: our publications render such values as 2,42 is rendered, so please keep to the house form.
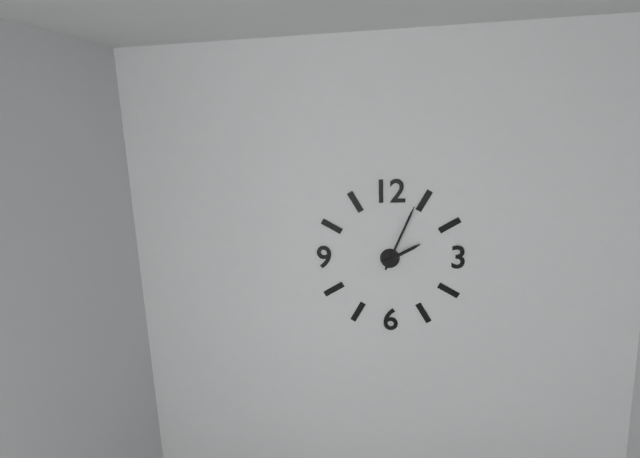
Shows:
2,04
